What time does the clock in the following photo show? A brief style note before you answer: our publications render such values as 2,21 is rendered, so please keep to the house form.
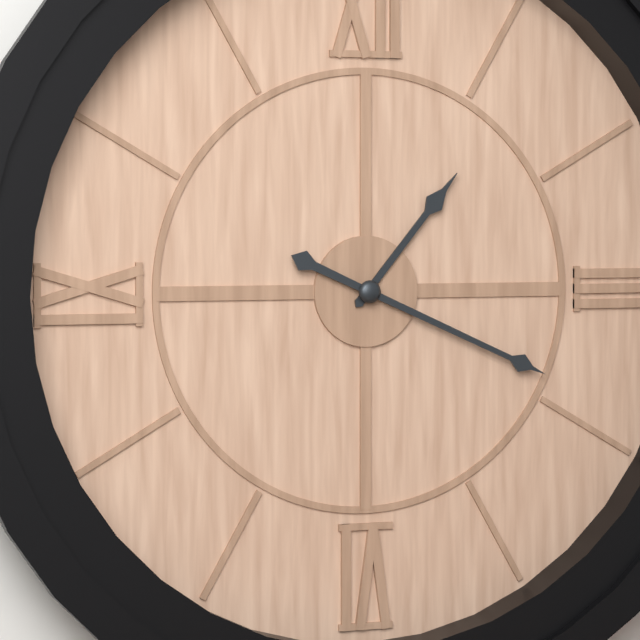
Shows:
1,19
